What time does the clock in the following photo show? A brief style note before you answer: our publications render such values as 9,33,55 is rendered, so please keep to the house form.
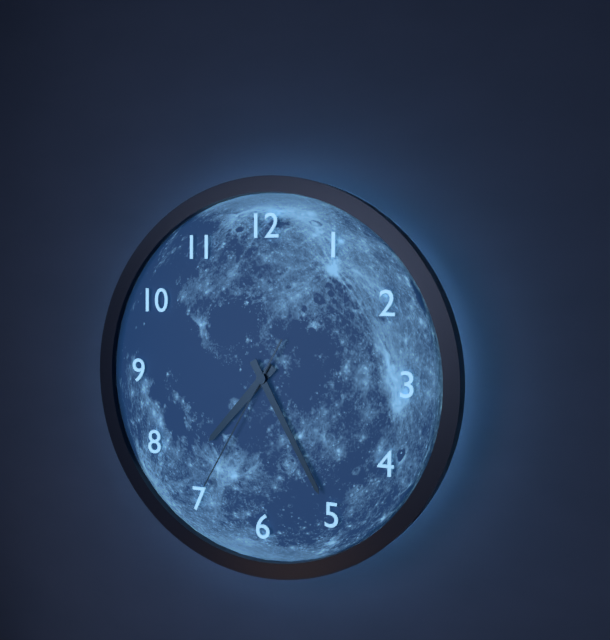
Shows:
7,25,35
